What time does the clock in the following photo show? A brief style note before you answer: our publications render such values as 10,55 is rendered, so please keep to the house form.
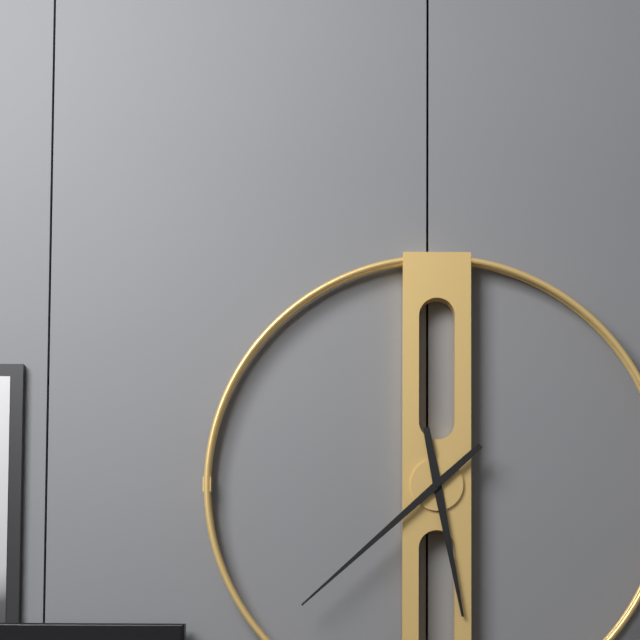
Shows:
5,38
